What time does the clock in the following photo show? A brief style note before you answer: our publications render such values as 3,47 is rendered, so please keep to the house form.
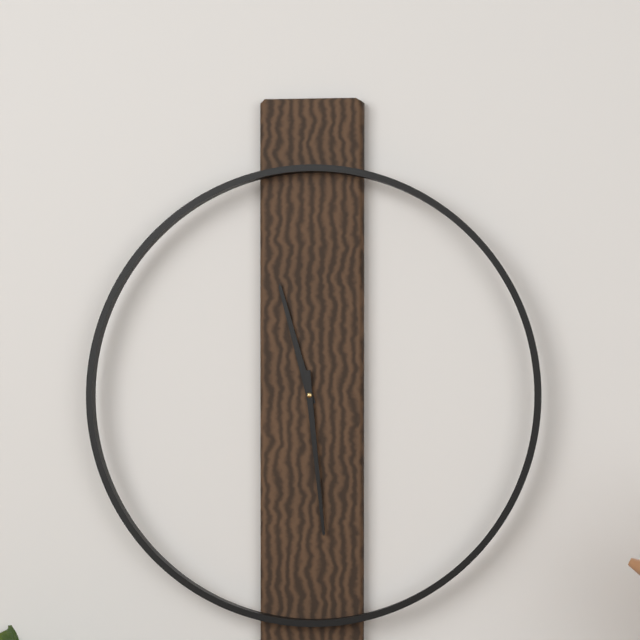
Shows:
11,29
